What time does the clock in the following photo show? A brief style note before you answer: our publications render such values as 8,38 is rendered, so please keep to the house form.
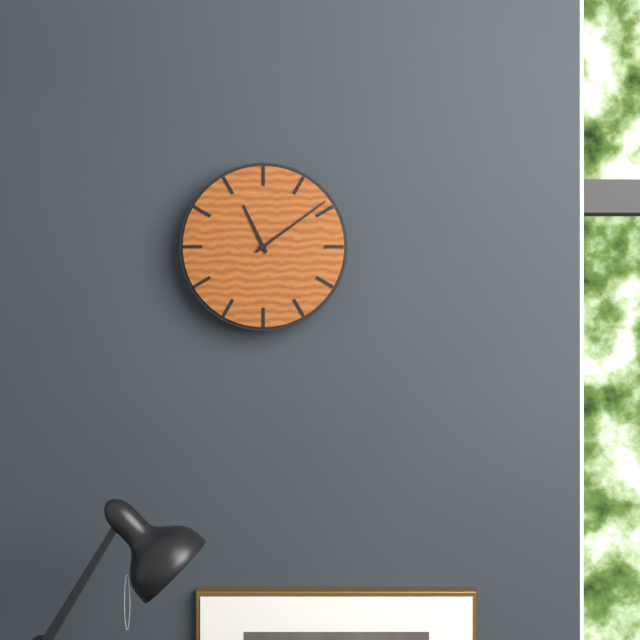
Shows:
11,09
